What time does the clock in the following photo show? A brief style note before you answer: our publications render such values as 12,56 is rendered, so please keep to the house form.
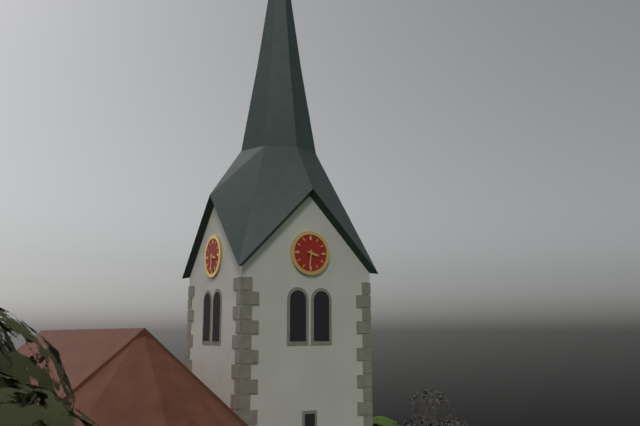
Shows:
3,31
